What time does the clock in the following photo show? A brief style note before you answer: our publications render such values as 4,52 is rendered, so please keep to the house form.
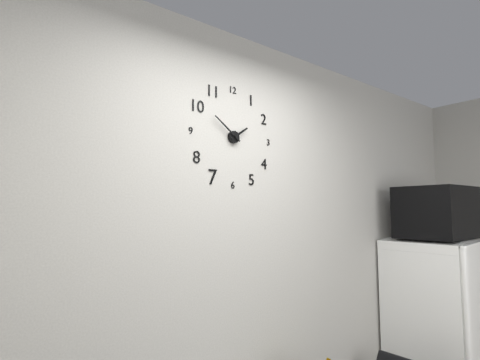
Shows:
1,51
